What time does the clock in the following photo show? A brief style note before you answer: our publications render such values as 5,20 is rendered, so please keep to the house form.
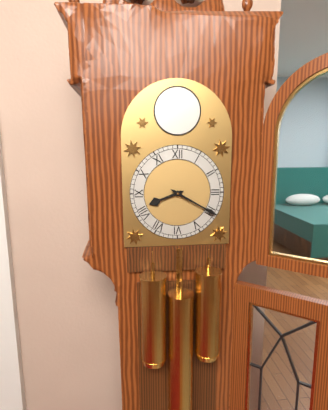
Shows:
8,20
